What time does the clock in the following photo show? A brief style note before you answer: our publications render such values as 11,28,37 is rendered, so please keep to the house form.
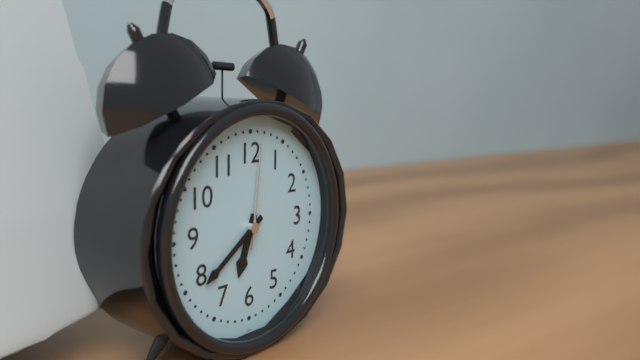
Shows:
6,39,01
